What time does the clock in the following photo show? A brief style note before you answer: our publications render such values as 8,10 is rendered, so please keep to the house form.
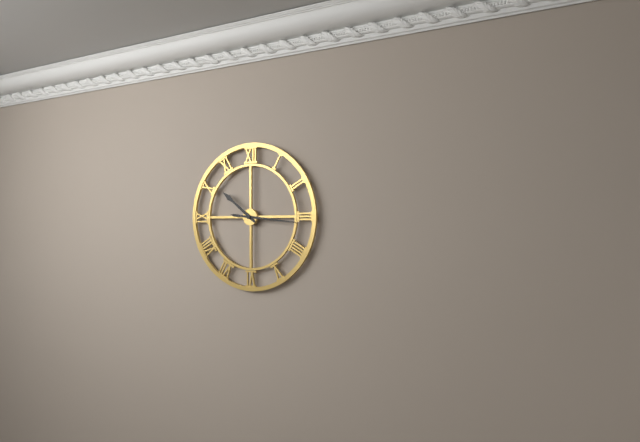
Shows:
10,16
